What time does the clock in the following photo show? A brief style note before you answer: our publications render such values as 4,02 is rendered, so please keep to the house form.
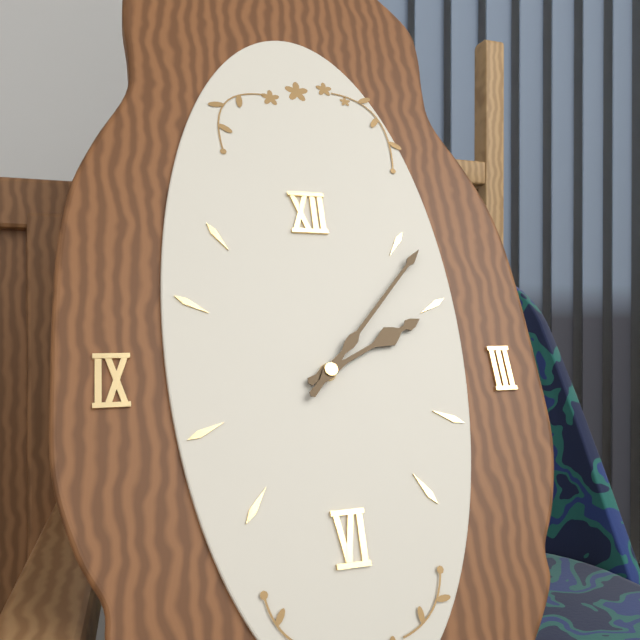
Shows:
2,07
